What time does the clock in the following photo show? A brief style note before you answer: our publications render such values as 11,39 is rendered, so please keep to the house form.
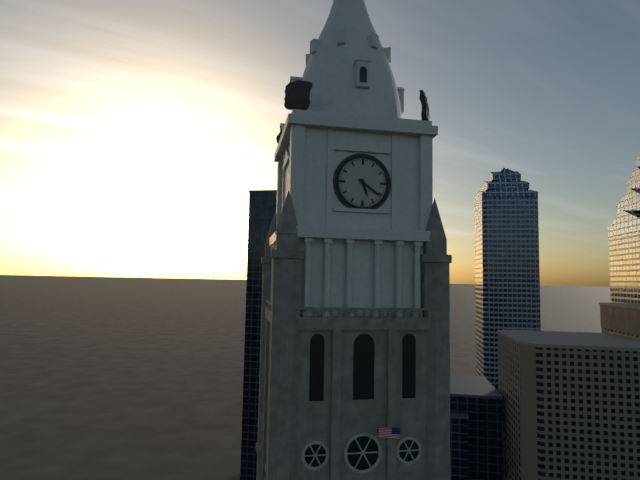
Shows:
5,21
